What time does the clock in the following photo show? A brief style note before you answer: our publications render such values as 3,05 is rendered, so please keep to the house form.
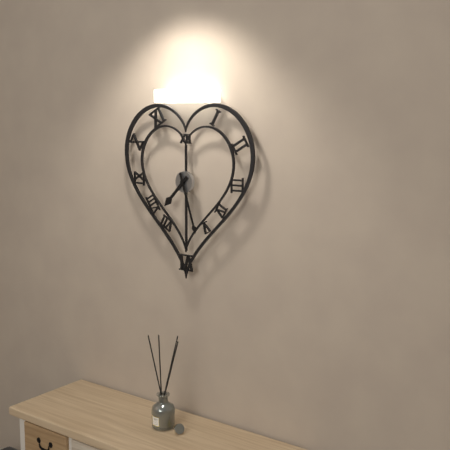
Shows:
7,27
